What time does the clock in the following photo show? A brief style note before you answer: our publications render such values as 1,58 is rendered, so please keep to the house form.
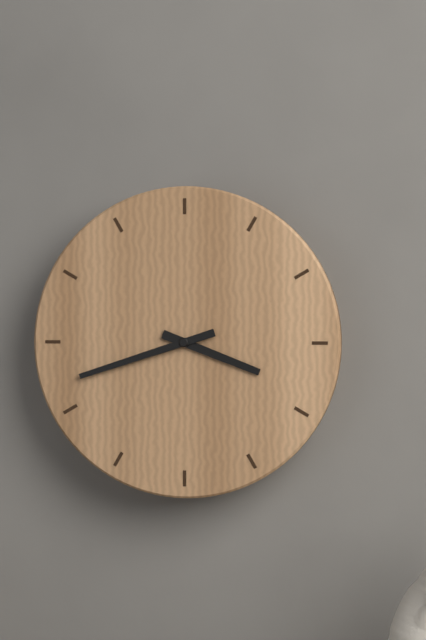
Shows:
3,42
